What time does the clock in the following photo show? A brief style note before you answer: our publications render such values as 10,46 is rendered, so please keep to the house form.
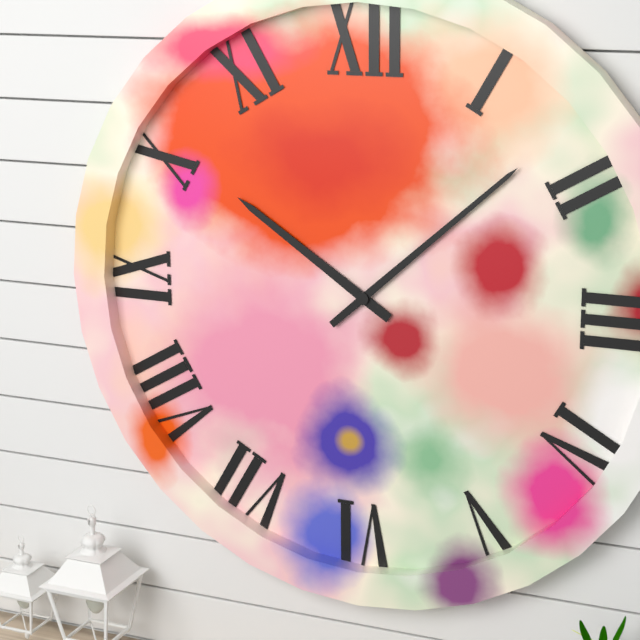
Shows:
10,08
